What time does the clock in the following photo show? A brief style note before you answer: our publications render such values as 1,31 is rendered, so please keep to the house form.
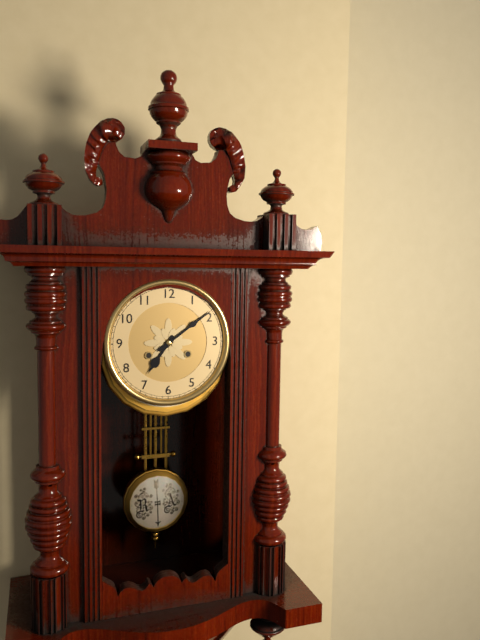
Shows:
7,09
